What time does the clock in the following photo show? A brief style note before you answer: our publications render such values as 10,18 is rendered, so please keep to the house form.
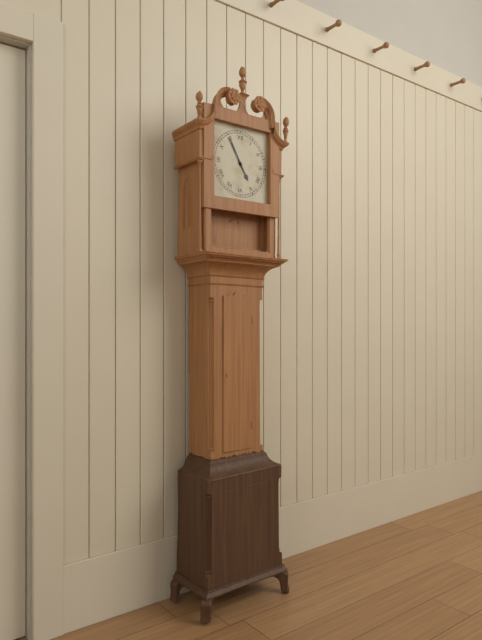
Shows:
4,55
